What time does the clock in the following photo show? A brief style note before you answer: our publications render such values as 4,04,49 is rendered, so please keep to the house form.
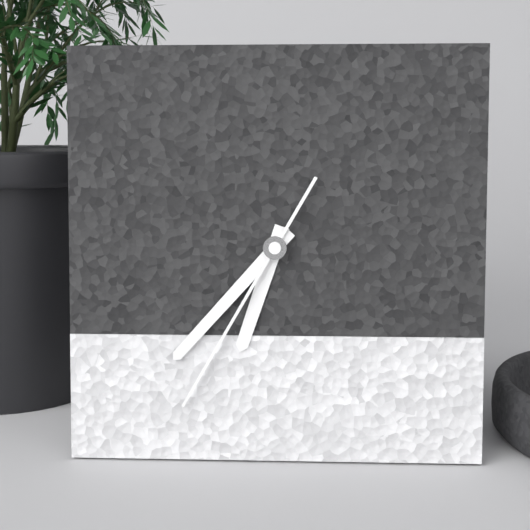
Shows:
6,37,35
